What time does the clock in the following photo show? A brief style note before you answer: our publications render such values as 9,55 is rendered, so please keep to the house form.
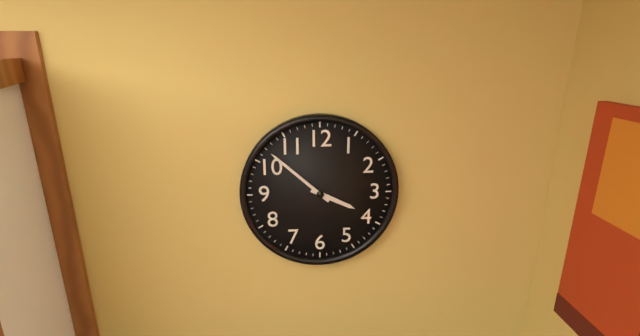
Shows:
3,52
